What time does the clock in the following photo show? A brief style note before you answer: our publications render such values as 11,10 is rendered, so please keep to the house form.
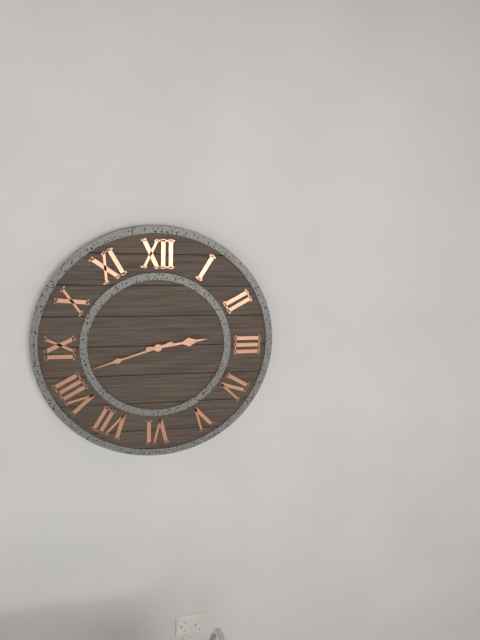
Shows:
2,42
